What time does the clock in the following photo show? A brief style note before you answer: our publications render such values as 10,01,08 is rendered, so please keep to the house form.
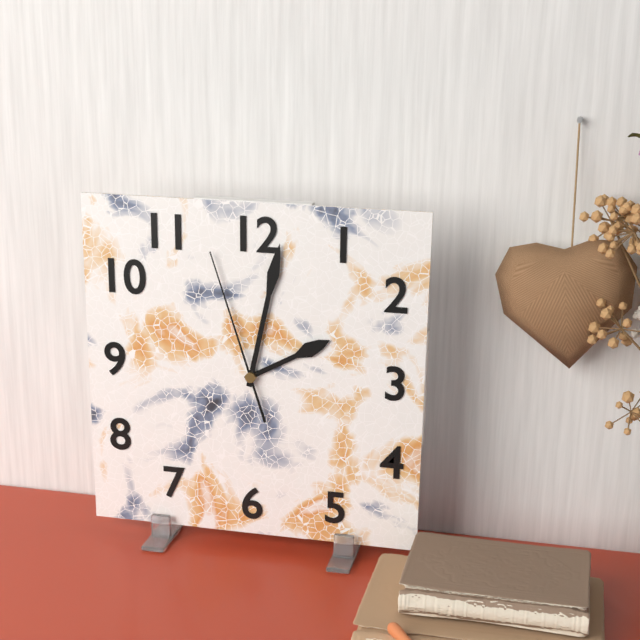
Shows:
2,02,57
